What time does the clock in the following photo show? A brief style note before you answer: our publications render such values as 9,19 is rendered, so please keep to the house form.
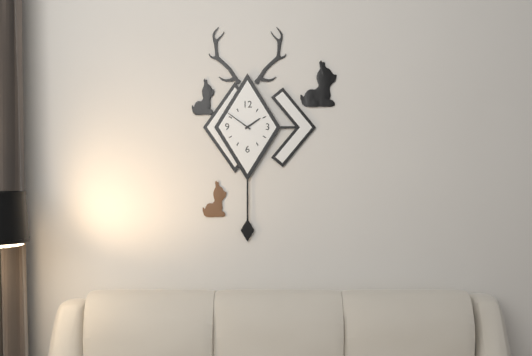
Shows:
1,51
